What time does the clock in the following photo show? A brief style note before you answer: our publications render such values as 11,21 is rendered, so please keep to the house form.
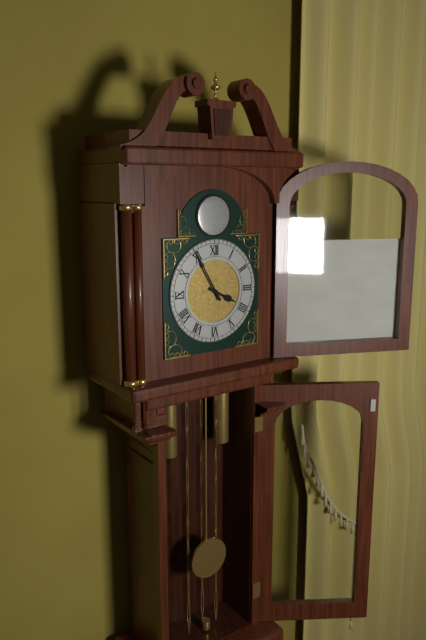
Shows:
3,55
